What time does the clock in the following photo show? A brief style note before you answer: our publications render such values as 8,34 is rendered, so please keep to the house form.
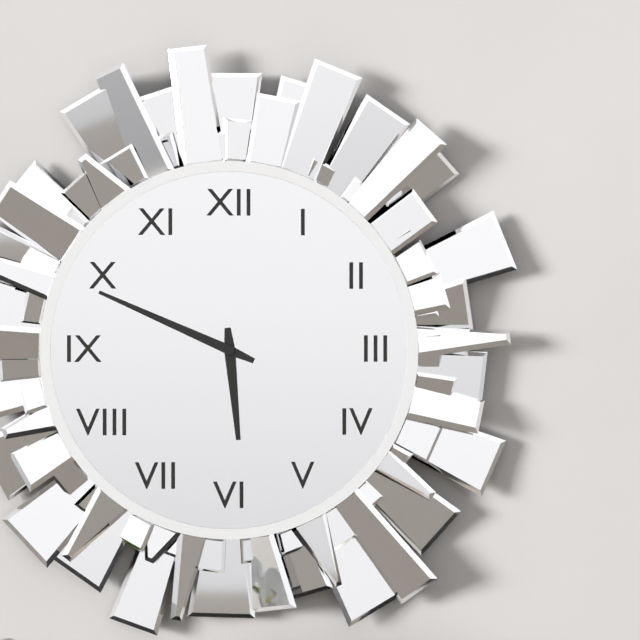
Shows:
5,49
